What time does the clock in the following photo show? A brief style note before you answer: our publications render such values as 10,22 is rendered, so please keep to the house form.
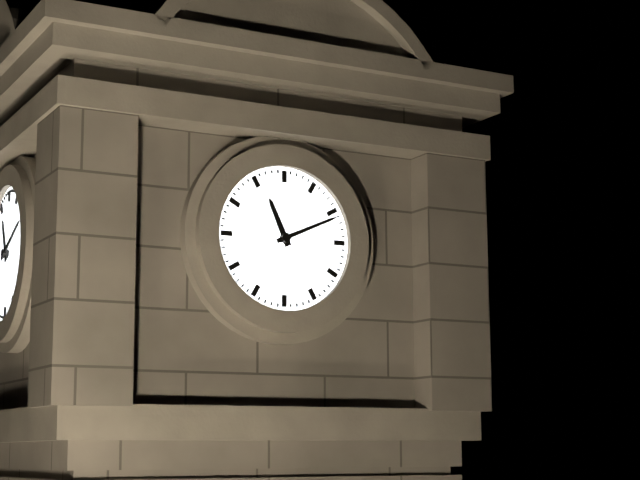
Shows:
11,11
